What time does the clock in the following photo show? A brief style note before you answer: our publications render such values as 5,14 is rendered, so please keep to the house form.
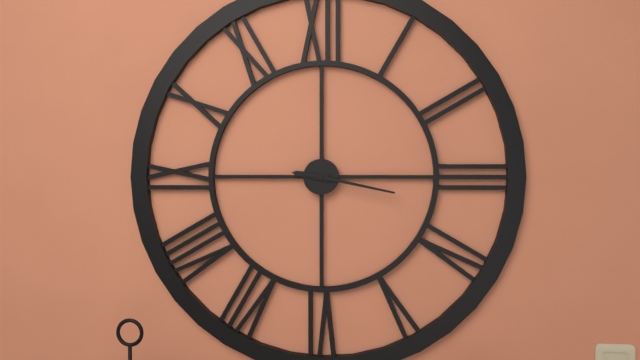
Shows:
9,17
